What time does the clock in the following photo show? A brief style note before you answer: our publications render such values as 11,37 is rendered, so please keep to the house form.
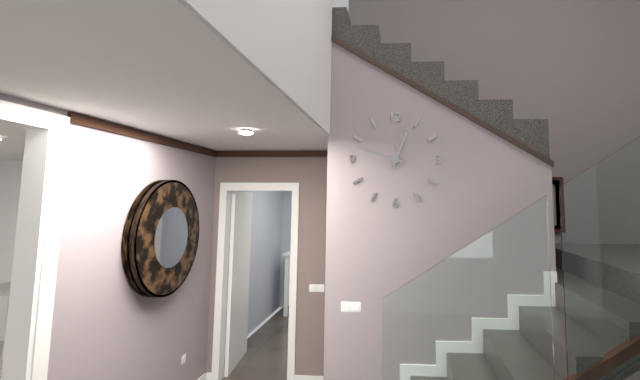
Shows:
12,48
